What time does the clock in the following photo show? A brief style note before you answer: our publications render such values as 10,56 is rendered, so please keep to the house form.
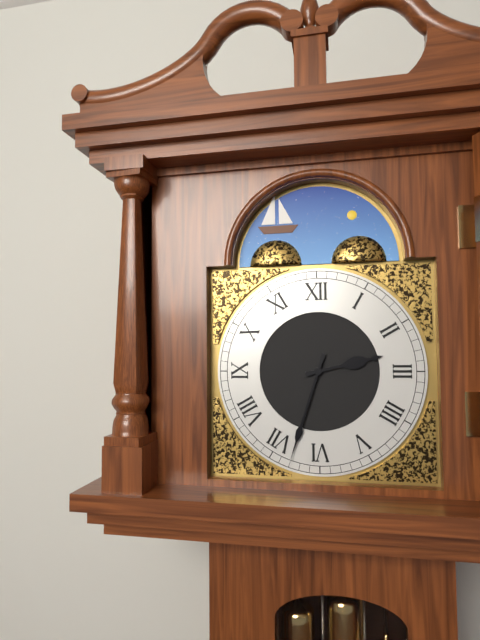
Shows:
2,33
